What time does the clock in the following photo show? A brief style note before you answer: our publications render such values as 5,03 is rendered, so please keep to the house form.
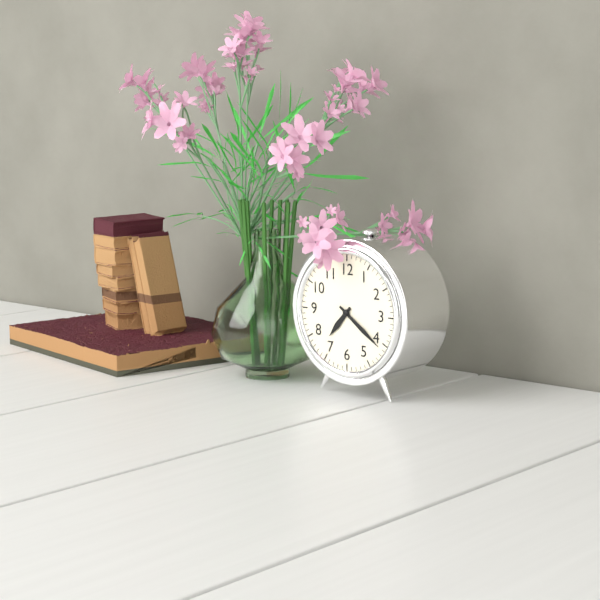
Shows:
7,21
